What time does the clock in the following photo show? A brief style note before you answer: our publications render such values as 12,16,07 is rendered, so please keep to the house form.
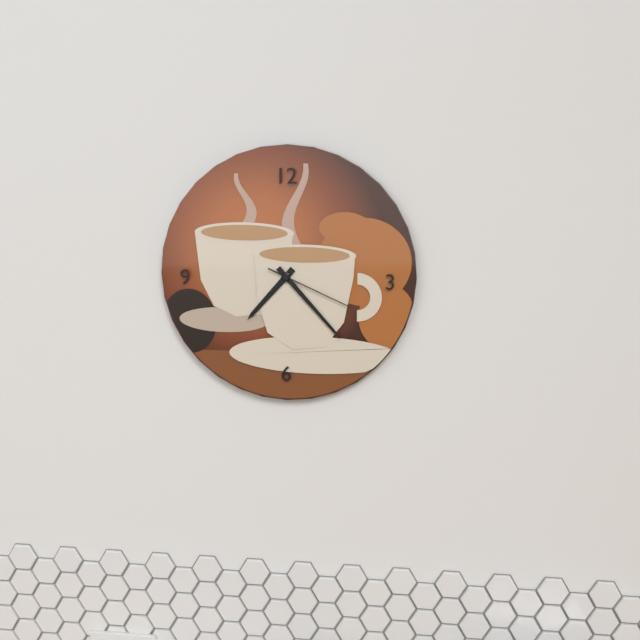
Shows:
7,23,19
